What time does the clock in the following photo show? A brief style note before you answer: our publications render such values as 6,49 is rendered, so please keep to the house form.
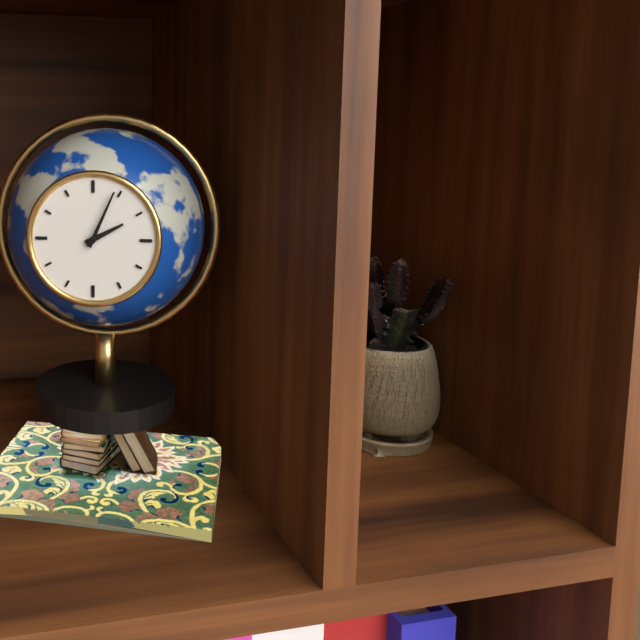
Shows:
2,04
